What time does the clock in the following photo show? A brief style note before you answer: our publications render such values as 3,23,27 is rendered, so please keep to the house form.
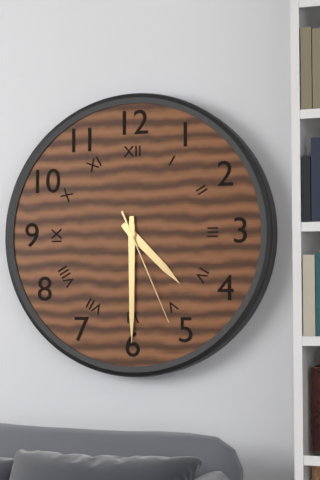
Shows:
4,30,26
